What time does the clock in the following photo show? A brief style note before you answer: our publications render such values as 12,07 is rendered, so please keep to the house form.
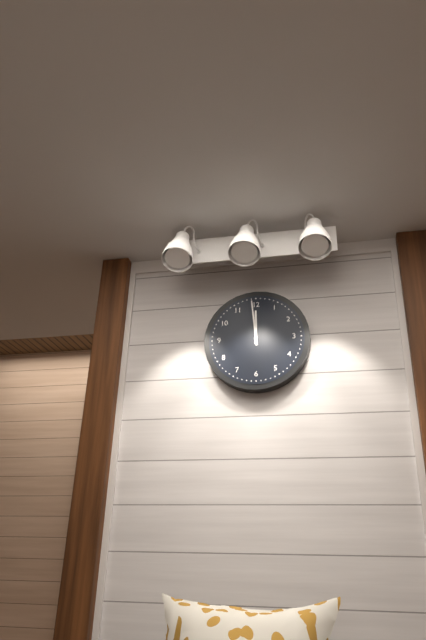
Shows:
11,59
